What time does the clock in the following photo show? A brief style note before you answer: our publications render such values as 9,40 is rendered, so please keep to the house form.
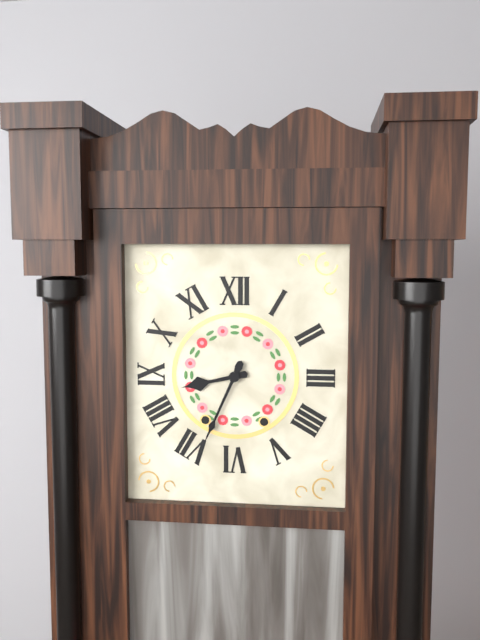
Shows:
8,34
